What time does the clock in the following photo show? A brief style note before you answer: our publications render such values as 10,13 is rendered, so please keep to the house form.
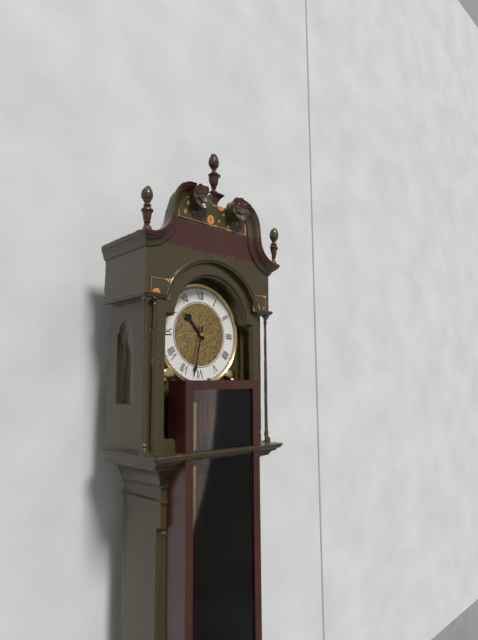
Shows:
10,32
